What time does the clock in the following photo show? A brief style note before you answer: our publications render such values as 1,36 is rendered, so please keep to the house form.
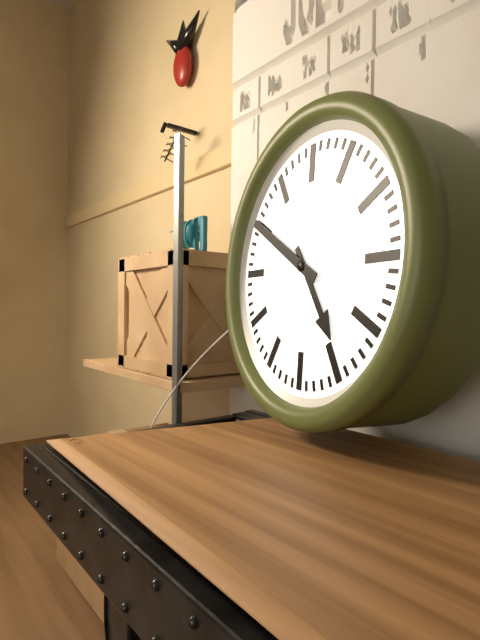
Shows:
4,50
